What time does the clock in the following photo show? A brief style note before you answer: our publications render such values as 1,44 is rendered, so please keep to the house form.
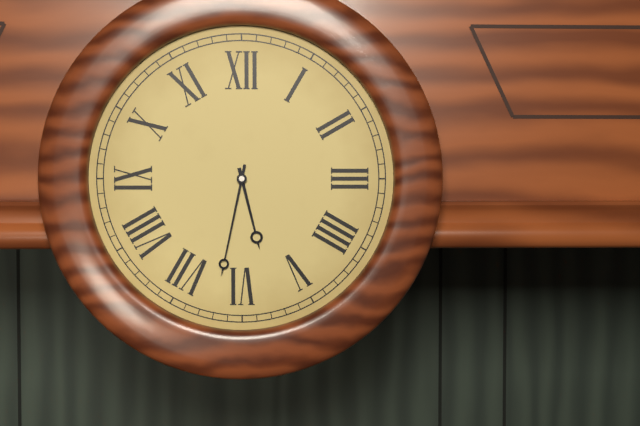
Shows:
5,32
